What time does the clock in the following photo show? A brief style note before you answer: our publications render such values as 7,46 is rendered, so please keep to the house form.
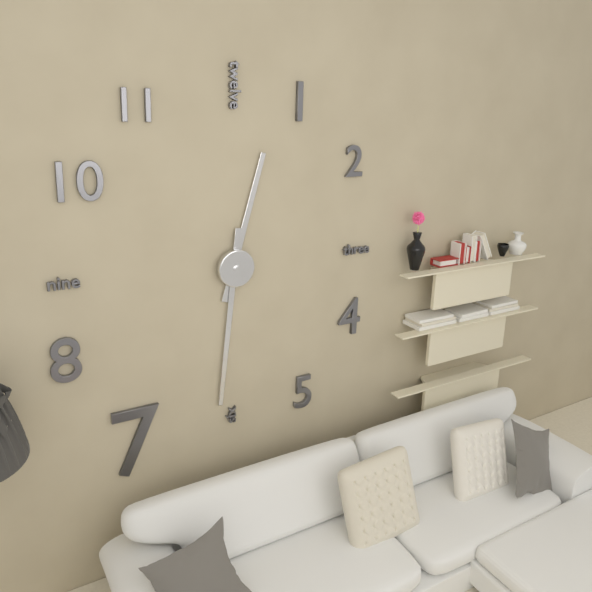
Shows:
12,31
